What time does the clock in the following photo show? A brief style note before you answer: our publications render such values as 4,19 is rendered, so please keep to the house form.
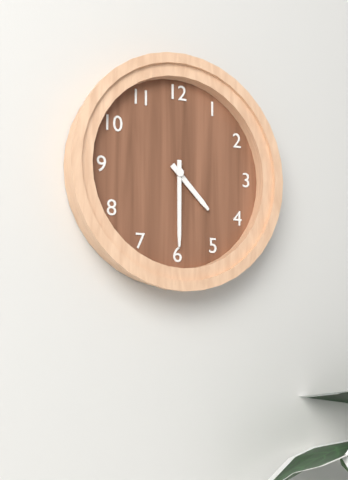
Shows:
4,30
